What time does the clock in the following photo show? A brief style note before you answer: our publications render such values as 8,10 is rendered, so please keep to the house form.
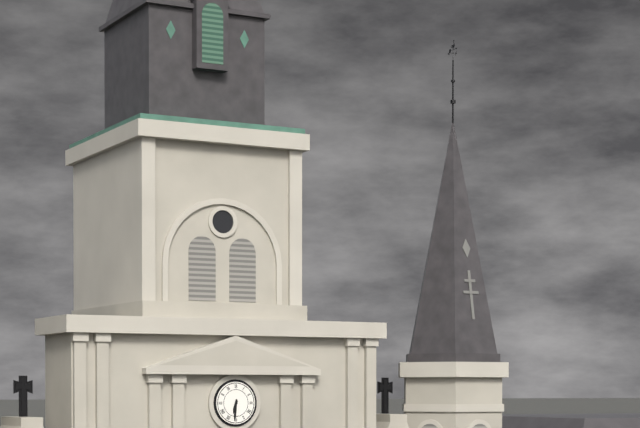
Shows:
6,31
